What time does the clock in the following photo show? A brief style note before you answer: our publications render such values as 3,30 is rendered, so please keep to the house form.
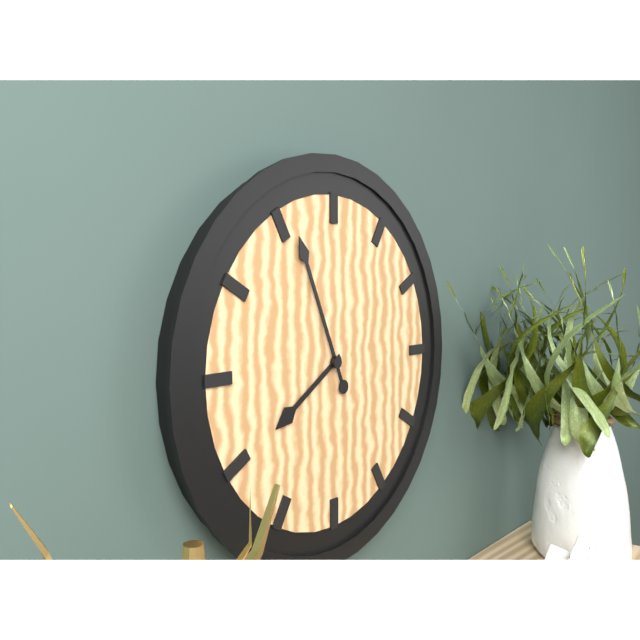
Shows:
7,56
